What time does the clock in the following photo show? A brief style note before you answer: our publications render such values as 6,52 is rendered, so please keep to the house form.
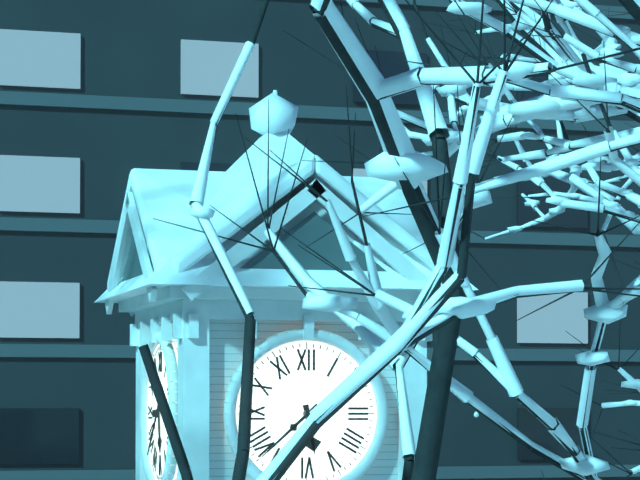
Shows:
5,38
